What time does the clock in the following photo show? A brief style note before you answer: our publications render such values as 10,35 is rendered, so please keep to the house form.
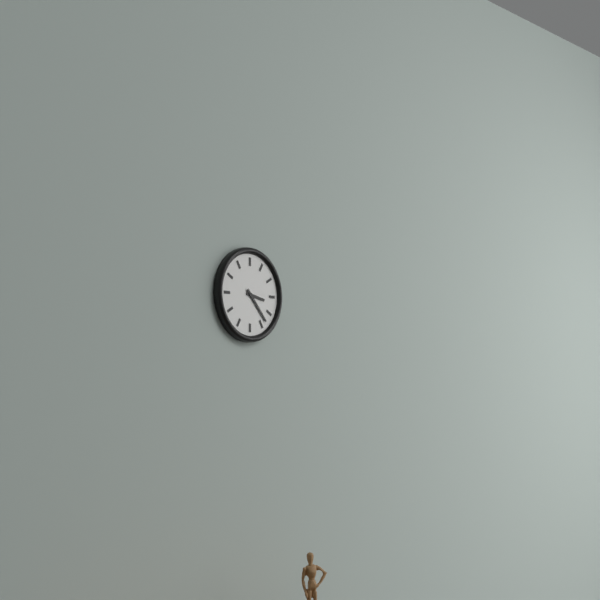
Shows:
3,23
